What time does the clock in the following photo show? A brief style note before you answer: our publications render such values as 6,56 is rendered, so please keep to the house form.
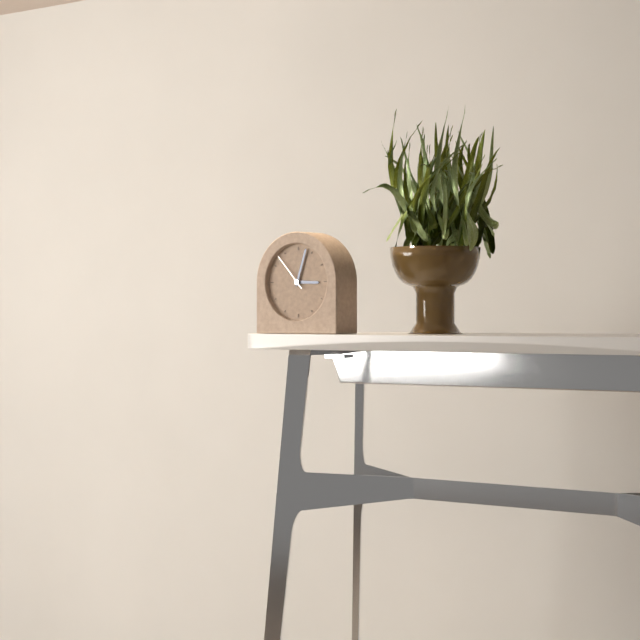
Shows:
3,03
